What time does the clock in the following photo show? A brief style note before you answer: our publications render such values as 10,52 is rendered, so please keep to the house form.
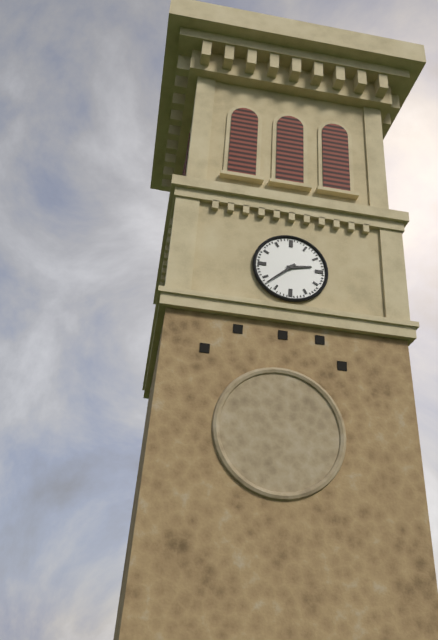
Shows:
2,38
